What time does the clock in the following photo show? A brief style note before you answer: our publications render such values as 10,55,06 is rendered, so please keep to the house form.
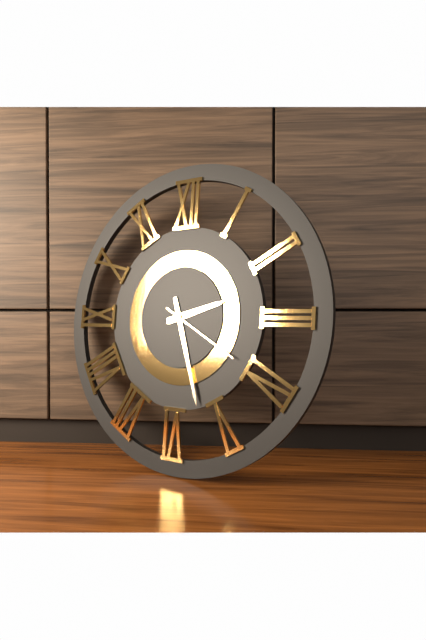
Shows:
2,27,20
